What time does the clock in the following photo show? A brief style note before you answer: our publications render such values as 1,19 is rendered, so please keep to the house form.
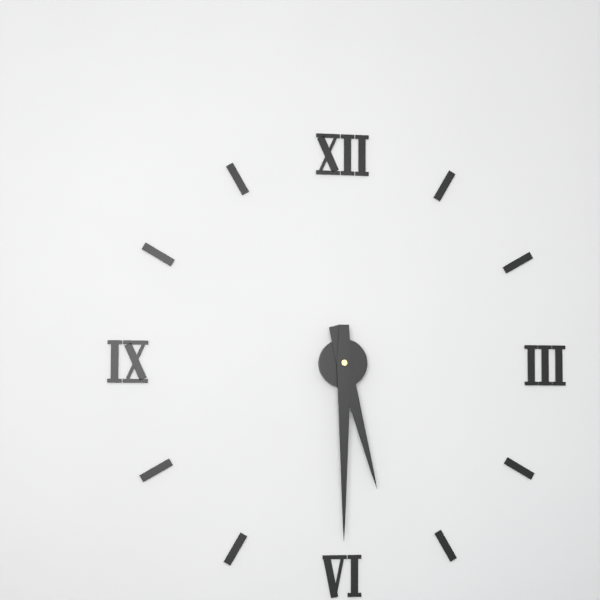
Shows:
5,30
